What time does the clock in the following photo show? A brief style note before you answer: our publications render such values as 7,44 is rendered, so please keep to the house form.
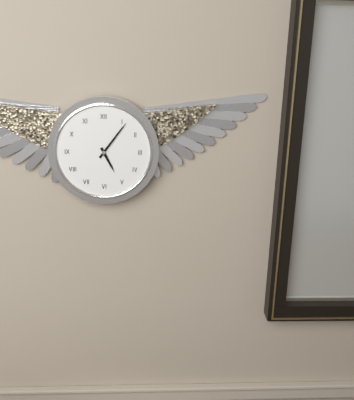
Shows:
5,06
